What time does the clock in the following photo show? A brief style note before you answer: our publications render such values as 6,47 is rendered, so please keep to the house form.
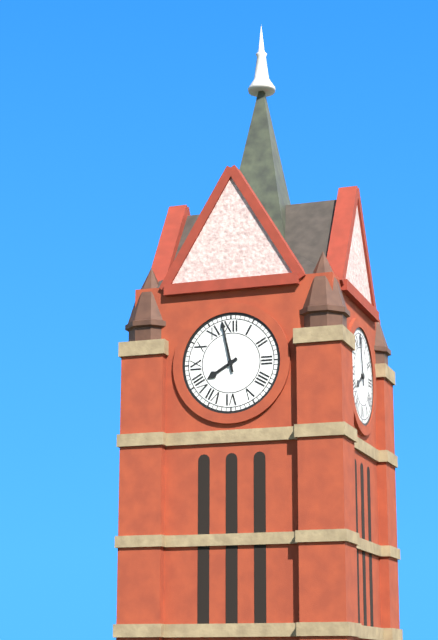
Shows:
7,58
